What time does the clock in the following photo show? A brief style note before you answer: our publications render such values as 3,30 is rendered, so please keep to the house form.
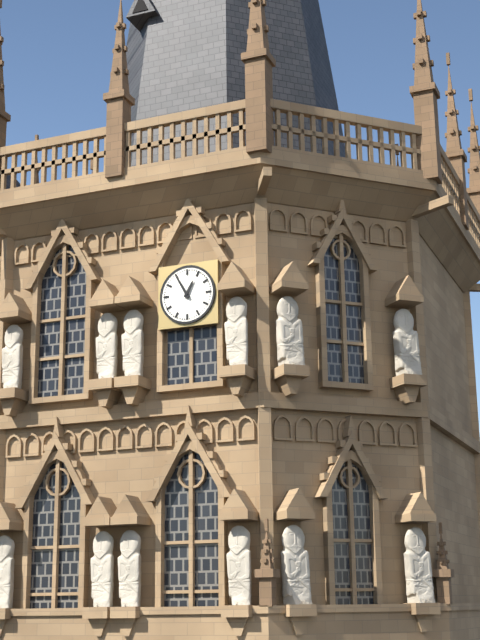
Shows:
12,55
